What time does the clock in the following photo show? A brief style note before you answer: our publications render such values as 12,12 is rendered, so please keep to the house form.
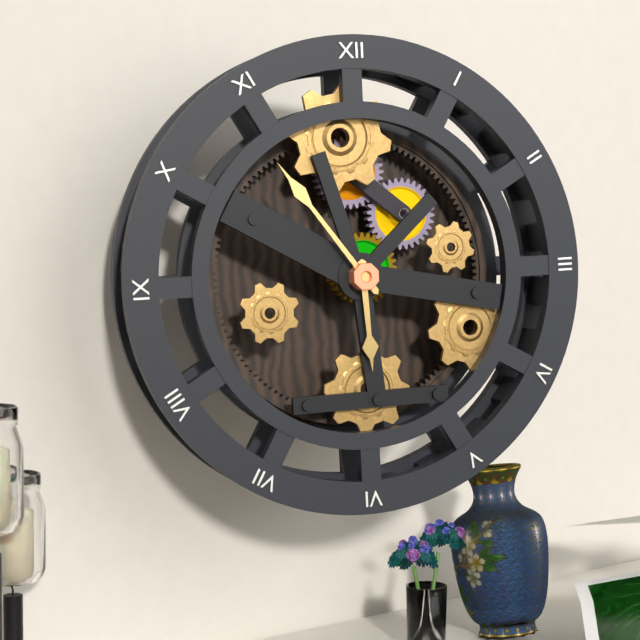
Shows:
5,54
